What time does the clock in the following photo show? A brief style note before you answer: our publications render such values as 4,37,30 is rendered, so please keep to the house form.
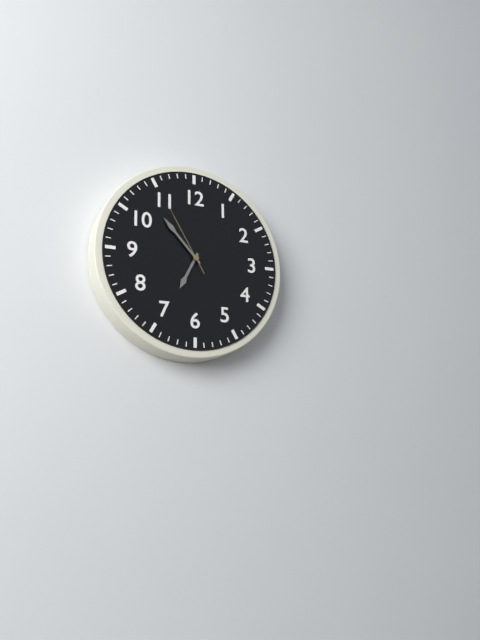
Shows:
6,53,55
